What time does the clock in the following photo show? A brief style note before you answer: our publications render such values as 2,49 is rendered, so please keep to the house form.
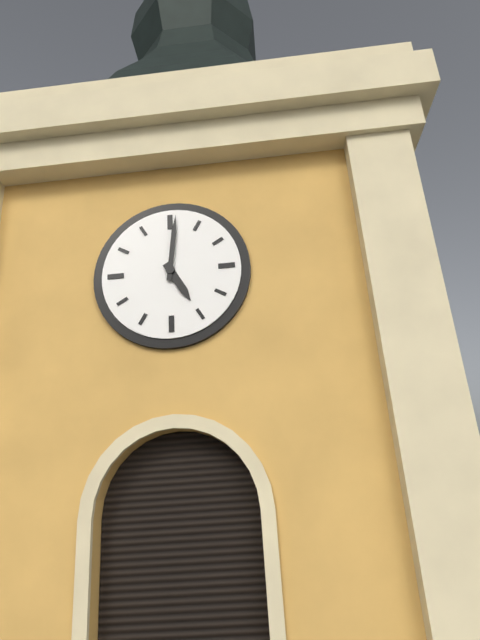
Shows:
5,01
